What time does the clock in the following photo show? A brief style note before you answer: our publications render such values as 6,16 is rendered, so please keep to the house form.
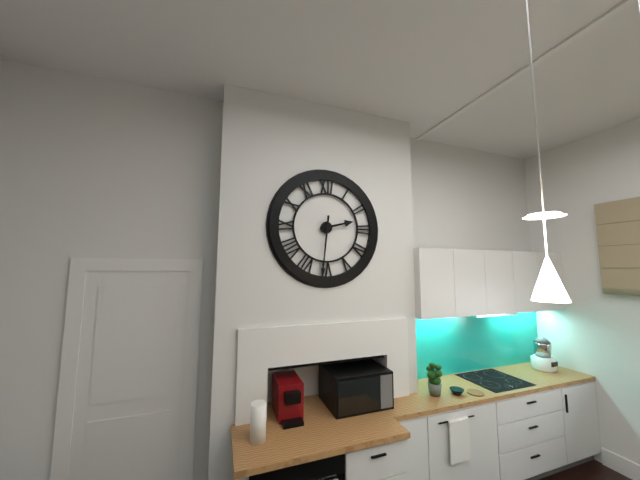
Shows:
2,31
